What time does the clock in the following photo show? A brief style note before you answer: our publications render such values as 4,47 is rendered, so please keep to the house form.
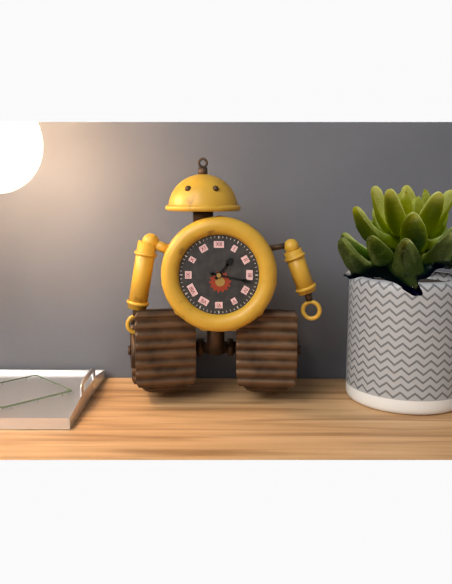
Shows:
1,17
